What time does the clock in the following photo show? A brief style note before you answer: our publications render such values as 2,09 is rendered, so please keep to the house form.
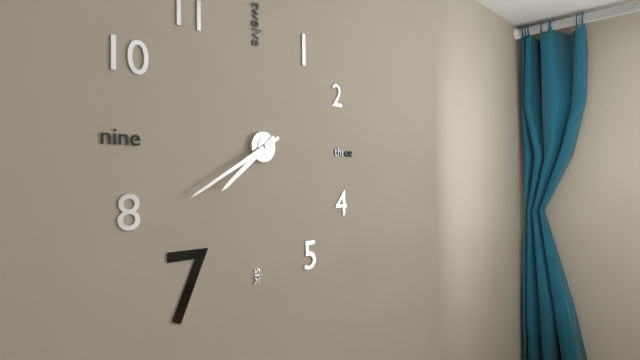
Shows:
7,40
